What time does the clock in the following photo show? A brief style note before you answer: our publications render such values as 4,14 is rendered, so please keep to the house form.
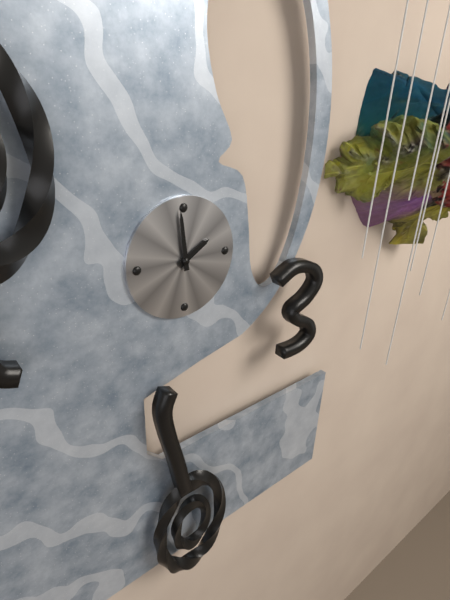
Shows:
1,59
